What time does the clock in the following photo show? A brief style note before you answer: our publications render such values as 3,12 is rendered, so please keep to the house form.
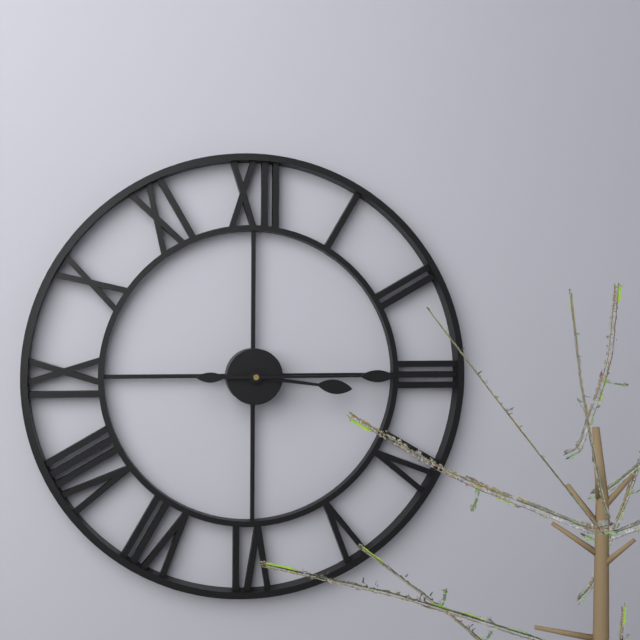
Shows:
3,15
